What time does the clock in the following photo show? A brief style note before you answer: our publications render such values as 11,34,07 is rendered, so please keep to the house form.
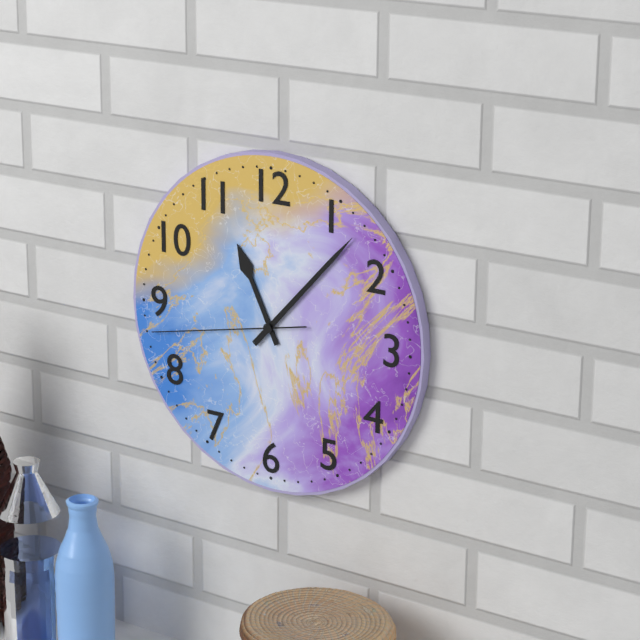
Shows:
11,07,43
